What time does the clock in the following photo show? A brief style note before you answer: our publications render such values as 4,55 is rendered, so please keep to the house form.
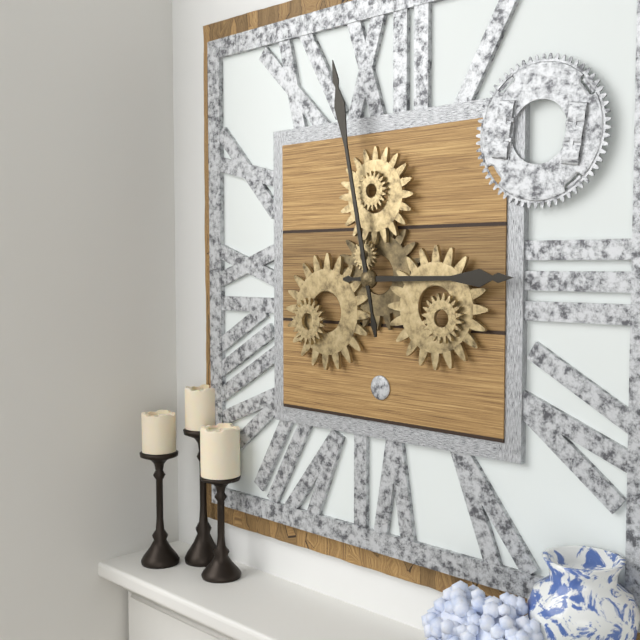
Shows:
2,58
